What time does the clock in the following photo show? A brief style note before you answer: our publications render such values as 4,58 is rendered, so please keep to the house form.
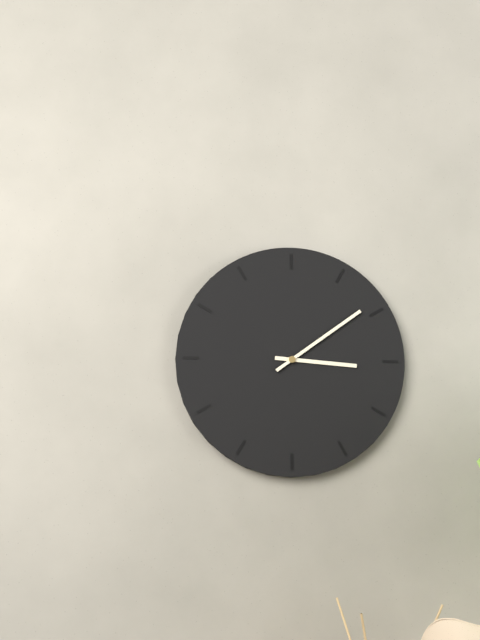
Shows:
3,09
